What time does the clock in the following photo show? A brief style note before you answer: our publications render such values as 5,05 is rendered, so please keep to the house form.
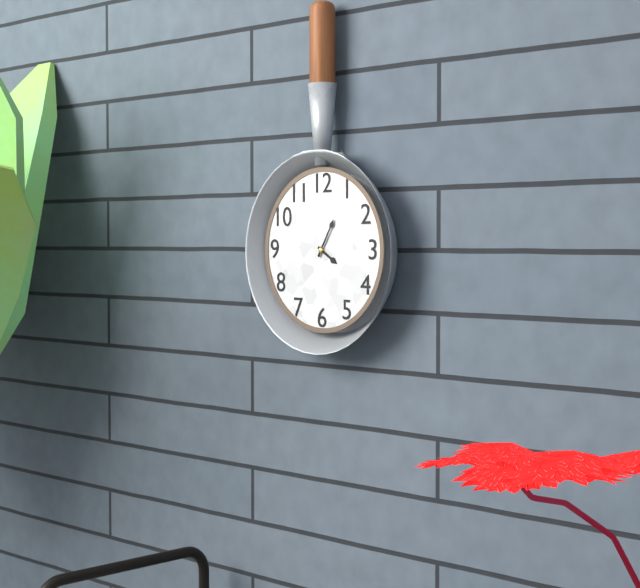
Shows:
4,05
